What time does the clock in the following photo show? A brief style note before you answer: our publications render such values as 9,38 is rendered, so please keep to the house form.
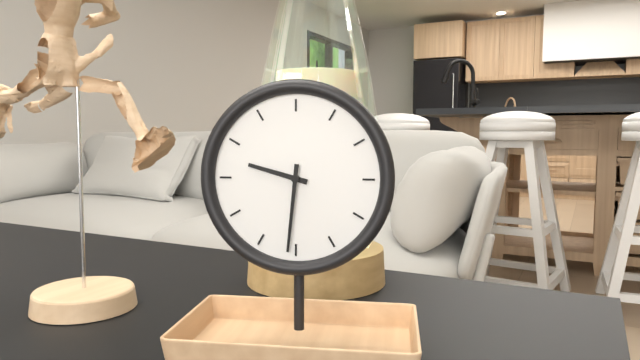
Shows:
9,31
